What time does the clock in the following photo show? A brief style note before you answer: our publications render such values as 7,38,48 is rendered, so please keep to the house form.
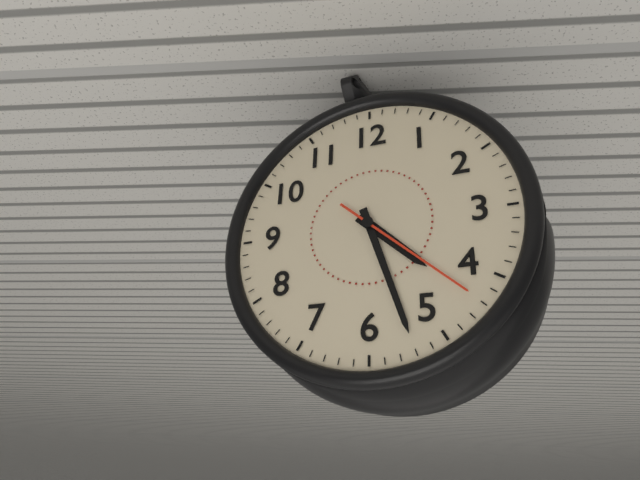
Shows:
4,27,22
